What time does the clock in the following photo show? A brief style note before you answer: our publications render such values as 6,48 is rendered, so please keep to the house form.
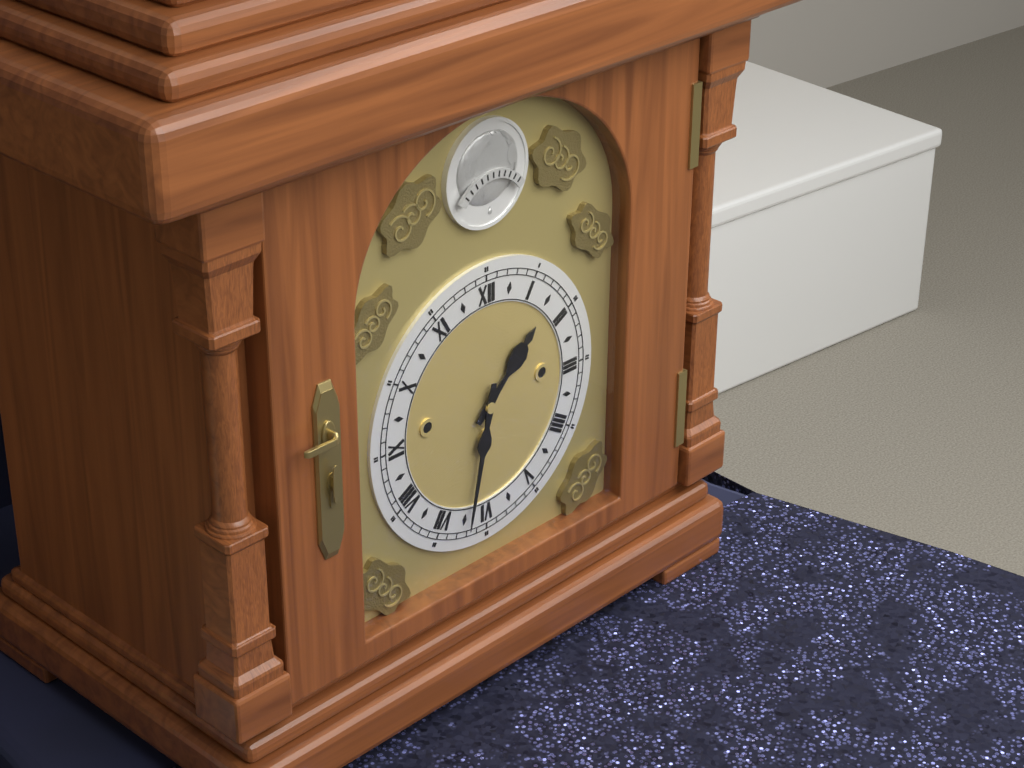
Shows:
1,32
